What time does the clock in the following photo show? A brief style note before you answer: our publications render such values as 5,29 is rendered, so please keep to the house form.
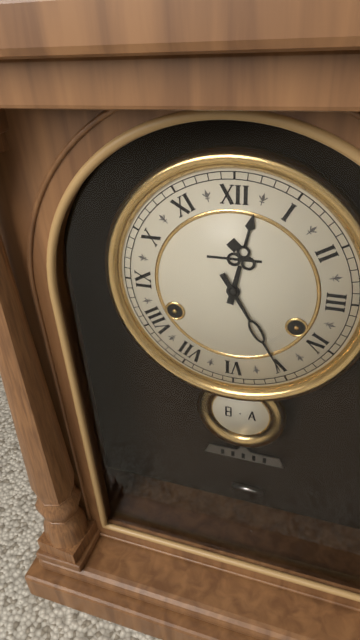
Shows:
12,25
